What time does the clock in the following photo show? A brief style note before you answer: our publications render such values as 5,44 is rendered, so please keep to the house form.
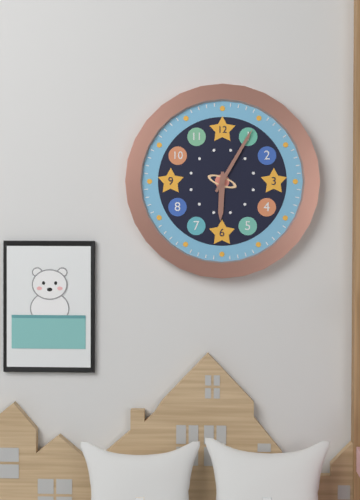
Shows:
6,05
